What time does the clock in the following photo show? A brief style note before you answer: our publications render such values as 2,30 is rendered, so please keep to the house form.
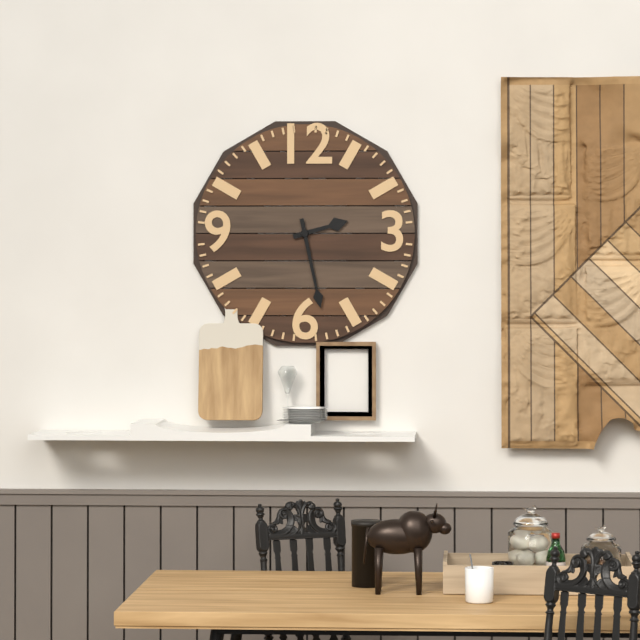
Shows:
2,28
